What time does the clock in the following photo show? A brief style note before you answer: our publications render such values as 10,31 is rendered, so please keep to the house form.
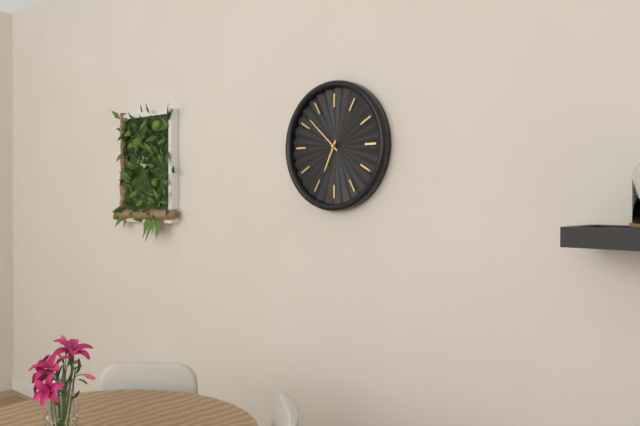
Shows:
6,52
